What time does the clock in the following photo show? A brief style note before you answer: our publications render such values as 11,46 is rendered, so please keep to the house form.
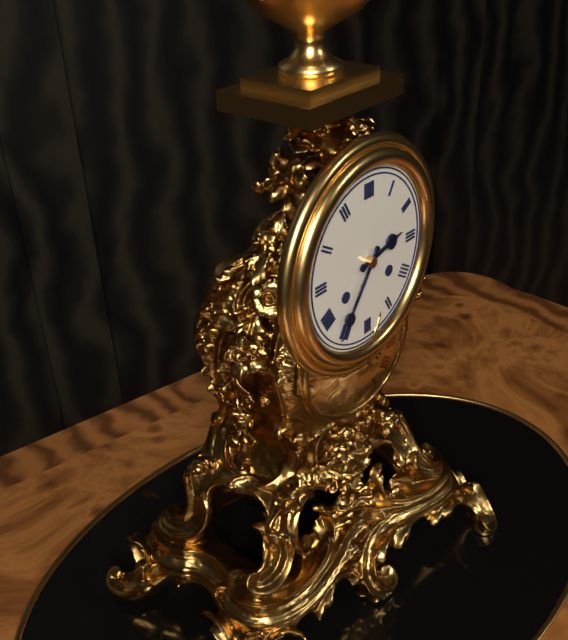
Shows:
2,36
